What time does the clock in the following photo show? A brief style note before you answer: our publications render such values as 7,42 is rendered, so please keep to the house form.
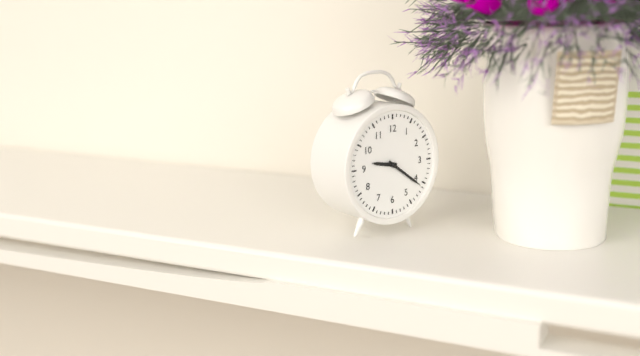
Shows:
9,21
